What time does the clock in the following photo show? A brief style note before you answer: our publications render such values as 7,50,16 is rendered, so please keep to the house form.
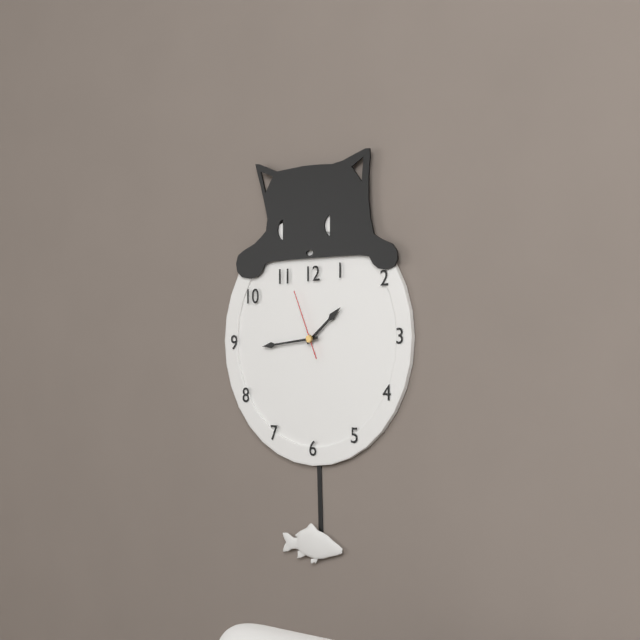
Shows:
1,44,56
